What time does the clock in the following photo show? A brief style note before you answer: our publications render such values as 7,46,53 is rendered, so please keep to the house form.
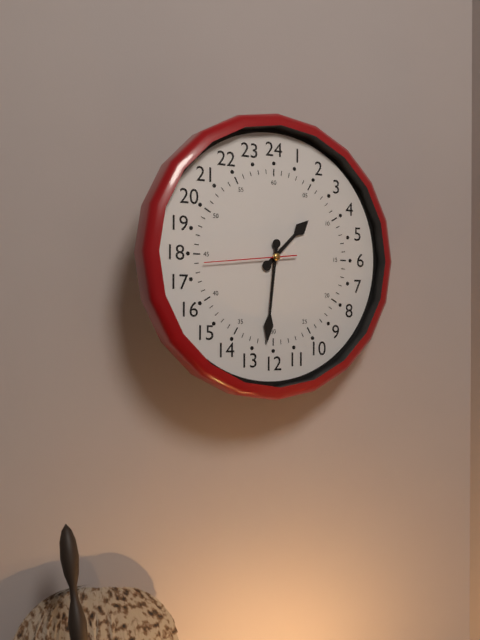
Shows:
1,31,44
